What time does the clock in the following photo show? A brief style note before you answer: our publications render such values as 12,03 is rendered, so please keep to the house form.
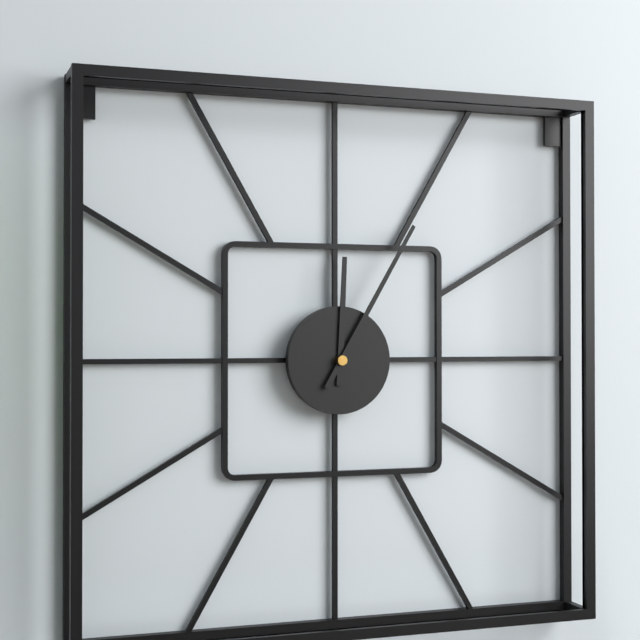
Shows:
12,05
